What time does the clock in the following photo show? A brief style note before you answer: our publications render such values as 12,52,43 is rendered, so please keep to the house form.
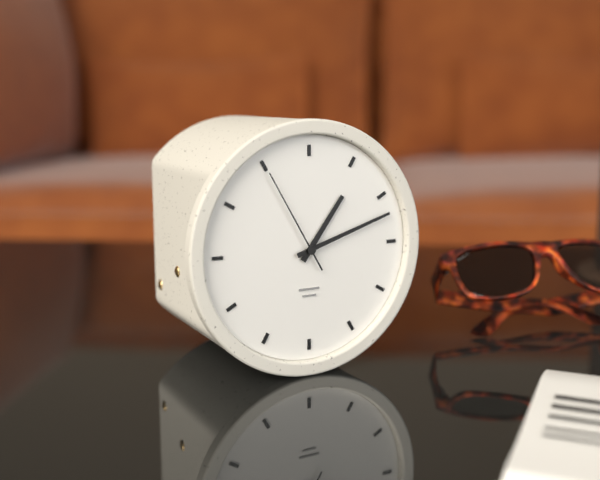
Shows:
1,12,55
